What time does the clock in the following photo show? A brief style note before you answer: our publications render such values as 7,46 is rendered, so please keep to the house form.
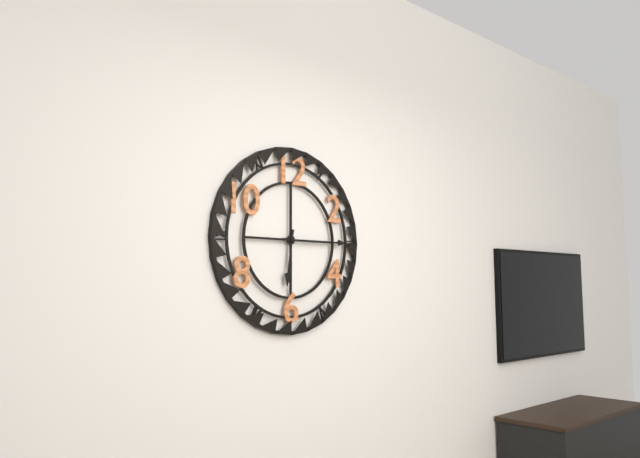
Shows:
6,15
